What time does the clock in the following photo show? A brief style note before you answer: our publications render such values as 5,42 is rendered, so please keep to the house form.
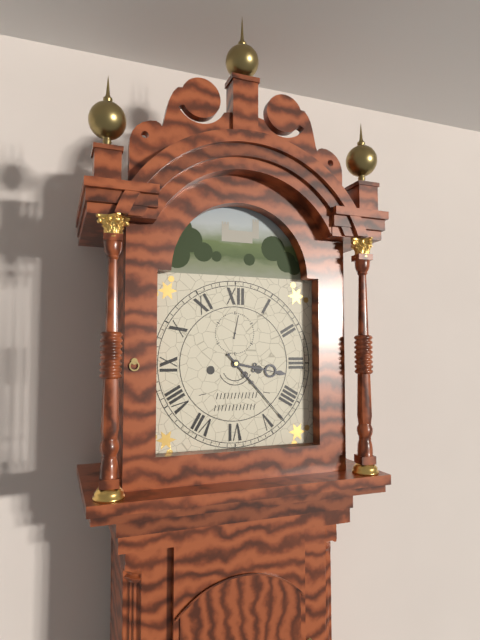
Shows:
3,23
